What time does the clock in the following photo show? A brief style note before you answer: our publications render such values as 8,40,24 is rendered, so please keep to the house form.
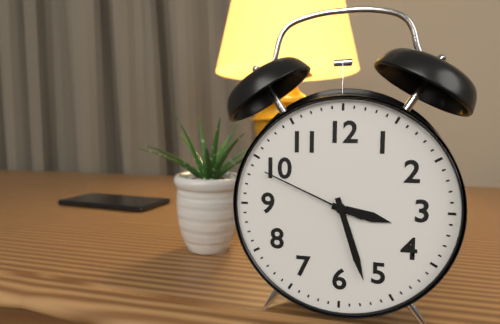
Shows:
3,27,49
